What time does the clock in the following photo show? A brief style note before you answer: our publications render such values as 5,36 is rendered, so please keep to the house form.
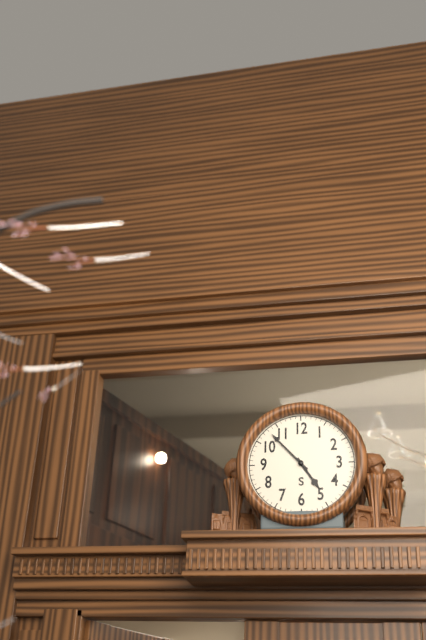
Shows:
4,53
